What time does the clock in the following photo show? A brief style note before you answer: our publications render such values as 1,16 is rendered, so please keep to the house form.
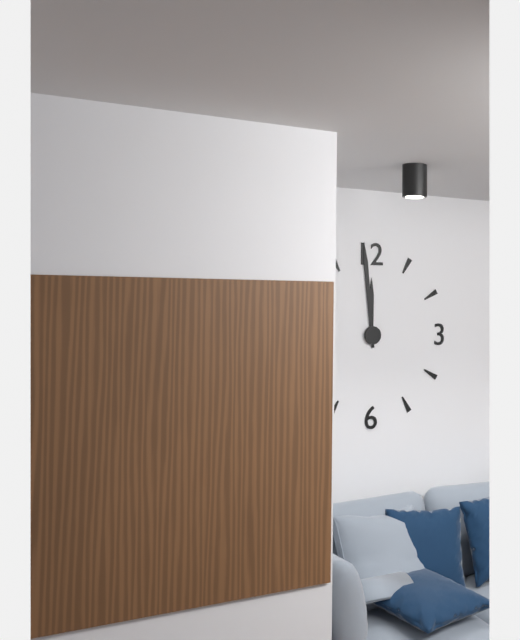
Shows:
11,59
